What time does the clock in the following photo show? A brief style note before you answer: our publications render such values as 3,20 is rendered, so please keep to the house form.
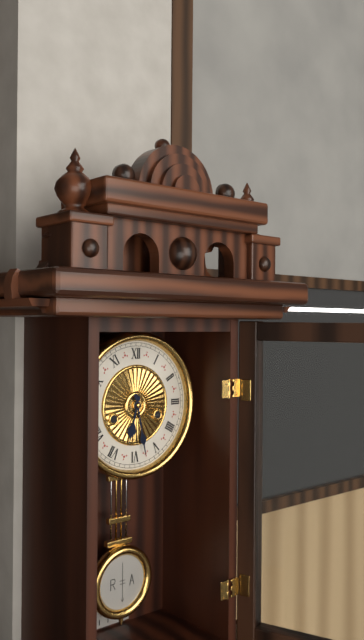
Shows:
6,28
